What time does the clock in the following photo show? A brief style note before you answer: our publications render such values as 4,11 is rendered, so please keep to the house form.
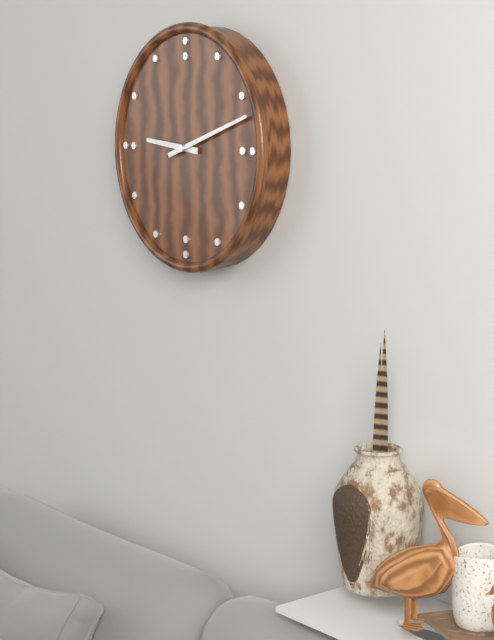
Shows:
9,12
